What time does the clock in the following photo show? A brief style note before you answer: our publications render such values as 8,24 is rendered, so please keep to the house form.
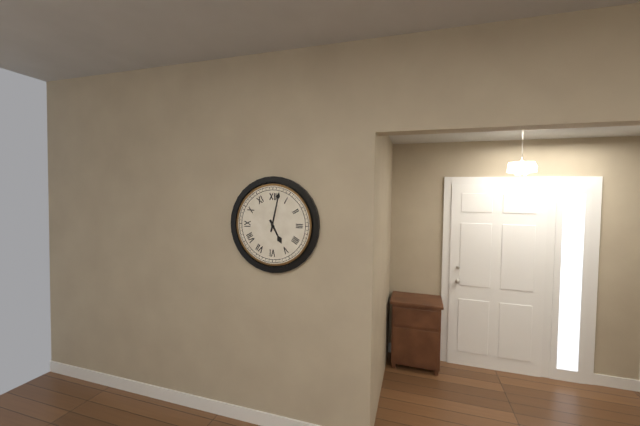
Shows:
5,02
